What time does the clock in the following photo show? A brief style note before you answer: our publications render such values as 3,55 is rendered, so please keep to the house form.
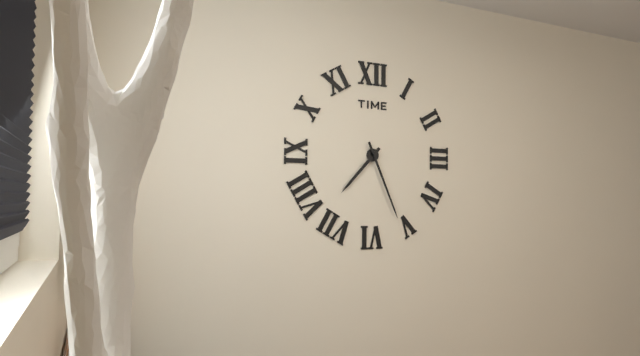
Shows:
7,26
